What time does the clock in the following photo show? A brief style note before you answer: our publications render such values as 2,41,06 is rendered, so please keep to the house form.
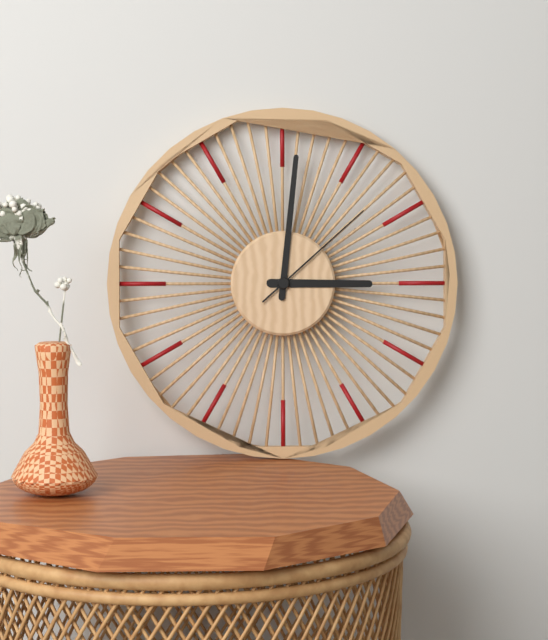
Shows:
3,01,08
